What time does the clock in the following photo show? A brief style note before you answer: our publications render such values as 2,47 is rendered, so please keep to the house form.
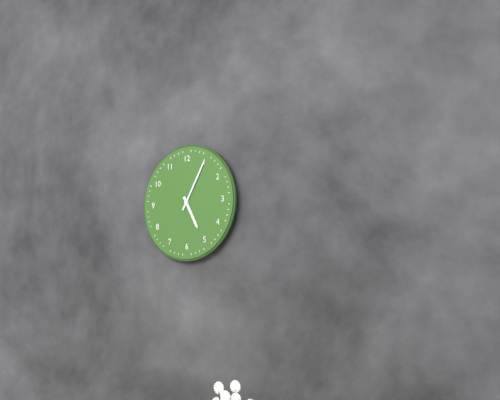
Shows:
5,05
